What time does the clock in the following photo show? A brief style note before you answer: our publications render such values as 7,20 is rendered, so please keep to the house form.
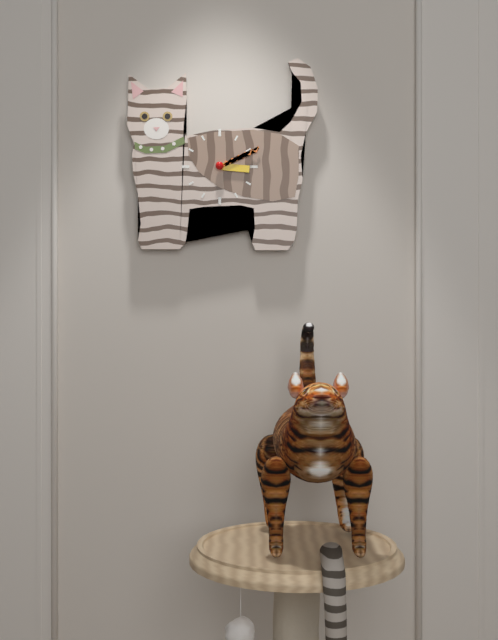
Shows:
3,11
